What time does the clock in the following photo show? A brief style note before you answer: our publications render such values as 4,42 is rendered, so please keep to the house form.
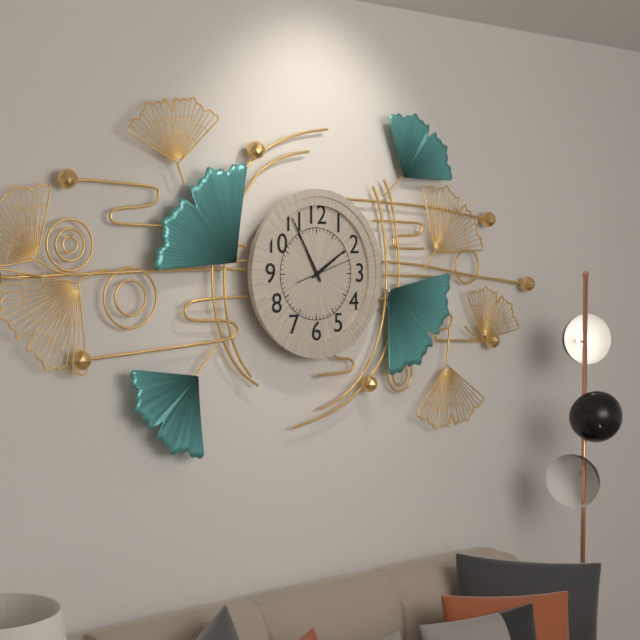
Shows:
1,55
